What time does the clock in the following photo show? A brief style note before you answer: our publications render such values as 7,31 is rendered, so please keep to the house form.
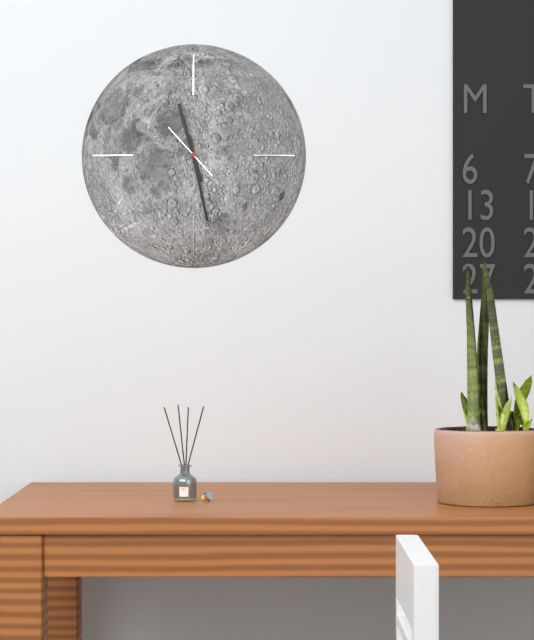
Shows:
11,28
